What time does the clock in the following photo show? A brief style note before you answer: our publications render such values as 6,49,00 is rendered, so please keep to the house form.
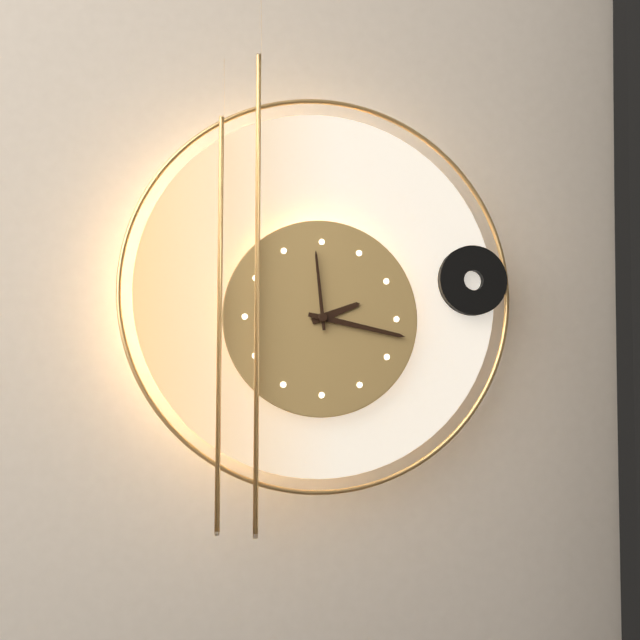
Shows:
2,17,59
